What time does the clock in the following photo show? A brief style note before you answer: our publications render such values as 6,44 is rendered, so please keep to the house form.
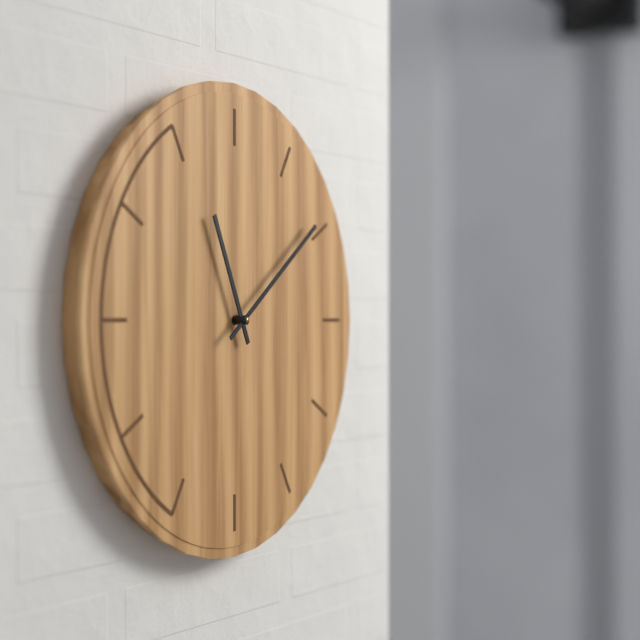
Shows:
11,09
